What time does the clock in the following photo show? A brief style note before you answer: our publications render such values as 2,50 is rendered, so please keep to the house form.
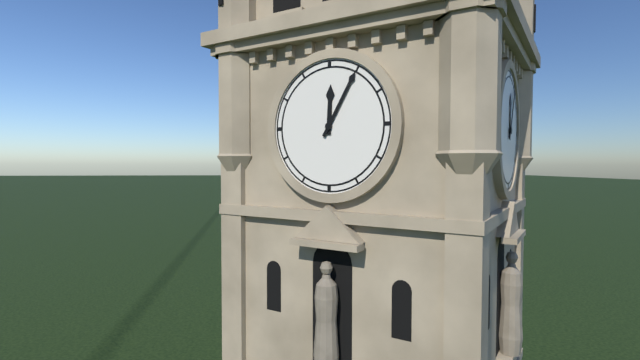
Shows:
12,05
